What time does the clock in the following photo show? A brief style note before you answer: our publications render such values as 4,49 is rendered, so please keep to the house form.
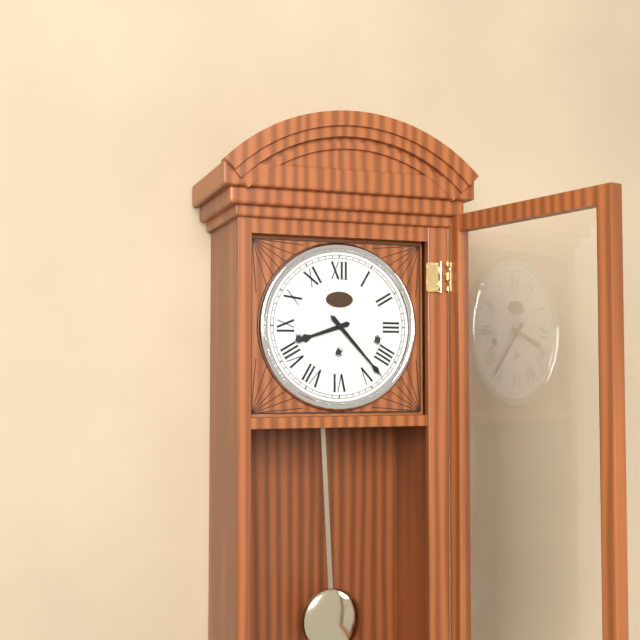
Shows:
8,23
